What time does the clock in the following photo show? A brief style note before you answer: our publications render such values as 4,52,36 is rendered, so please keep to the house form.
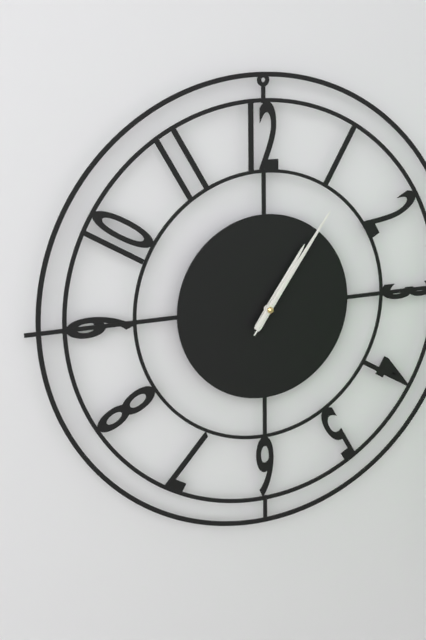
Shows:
1,06,06
